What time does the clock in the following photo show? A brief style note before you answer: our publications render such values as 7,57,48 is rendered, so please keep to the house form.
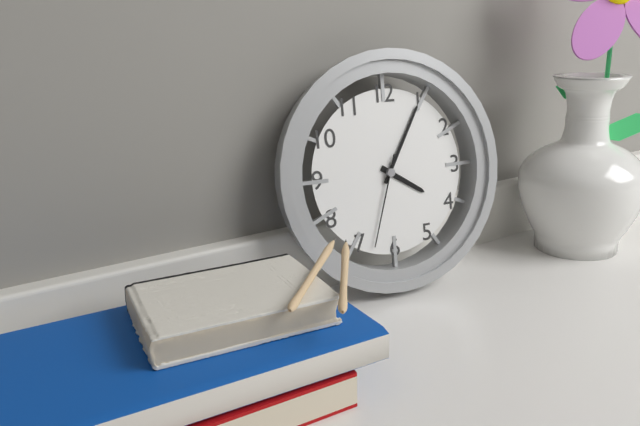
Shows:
4,05,33
